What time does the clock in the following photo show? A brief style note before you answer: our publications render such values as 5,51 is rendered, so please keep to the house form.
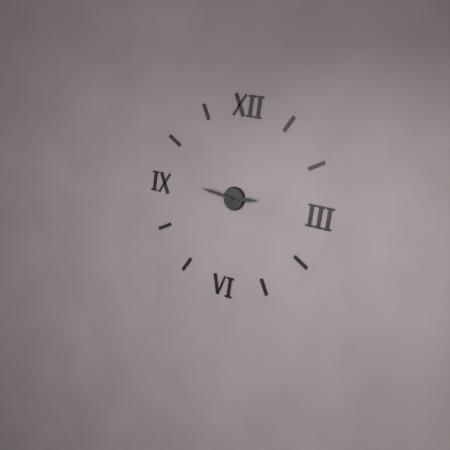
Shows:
2,46
